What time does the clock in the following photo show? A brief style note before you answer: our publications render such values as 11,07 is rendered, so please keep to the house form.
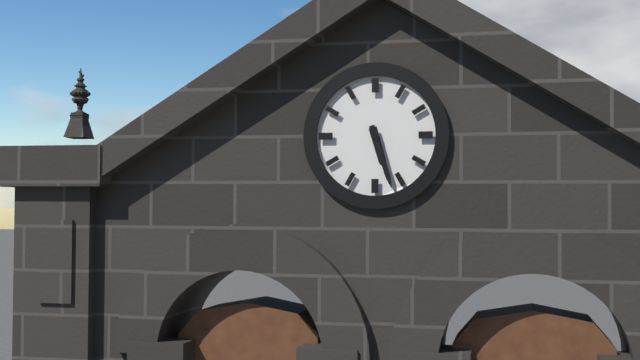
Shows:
5,27
